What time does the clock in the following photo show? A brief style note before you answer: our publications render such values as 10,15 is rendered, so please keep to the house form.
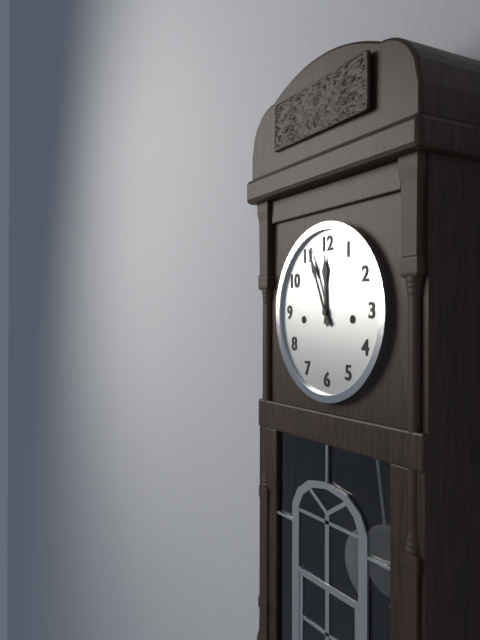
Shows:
11,56
